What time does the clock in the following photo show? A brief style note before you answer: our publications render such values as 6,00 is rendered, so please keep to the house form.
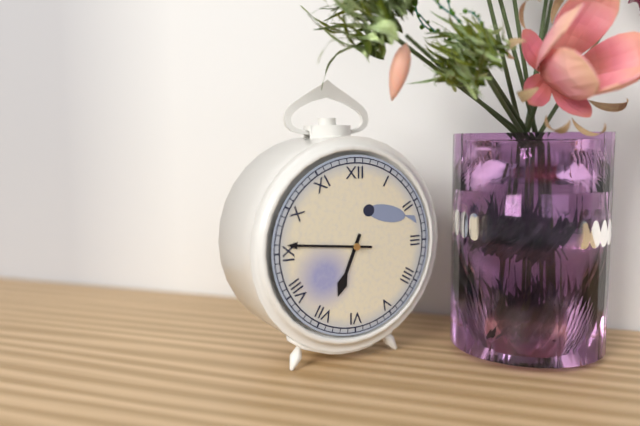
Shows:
6,46
